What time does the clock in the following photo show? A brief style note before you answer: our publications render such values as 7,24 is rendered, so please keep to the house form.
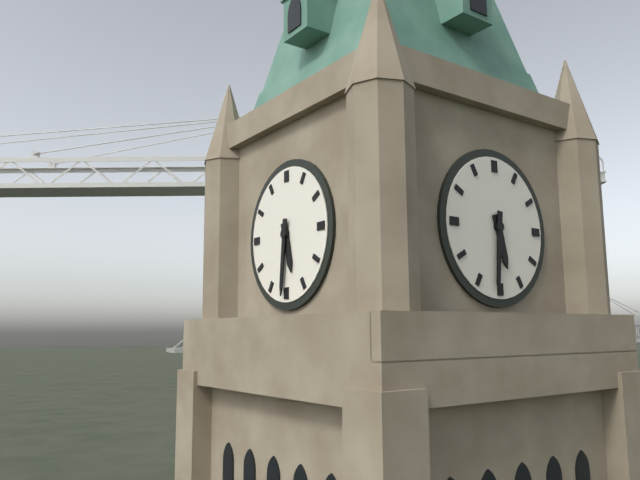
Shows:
5,31
